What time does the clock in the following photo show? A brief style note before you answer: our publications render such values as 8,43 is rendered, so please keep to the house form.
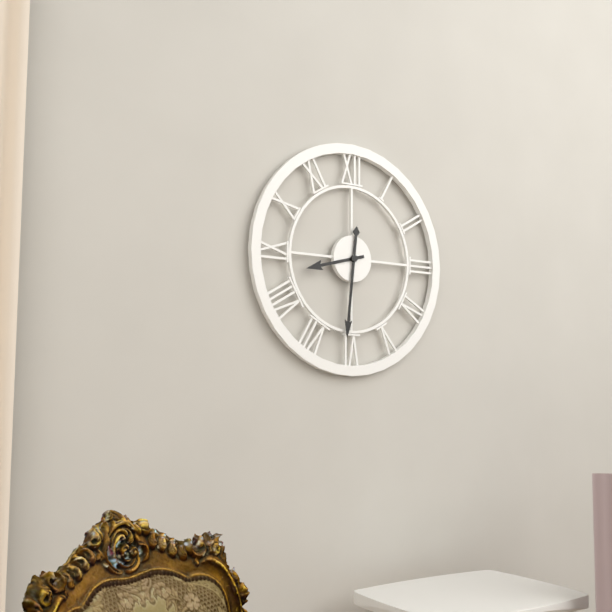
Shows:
8,31
